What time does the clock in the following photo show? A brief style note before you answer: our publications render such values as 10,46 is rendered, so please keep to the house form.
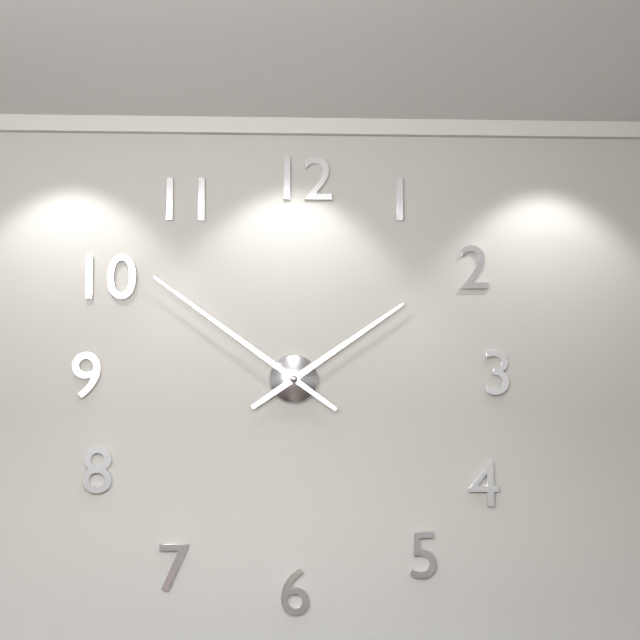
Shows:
1,51
